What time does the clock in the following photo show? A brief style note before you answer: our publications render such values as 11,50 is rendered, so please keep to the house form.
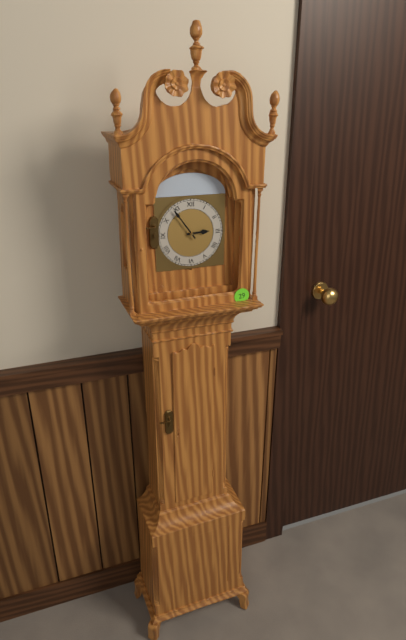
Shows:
2,54
